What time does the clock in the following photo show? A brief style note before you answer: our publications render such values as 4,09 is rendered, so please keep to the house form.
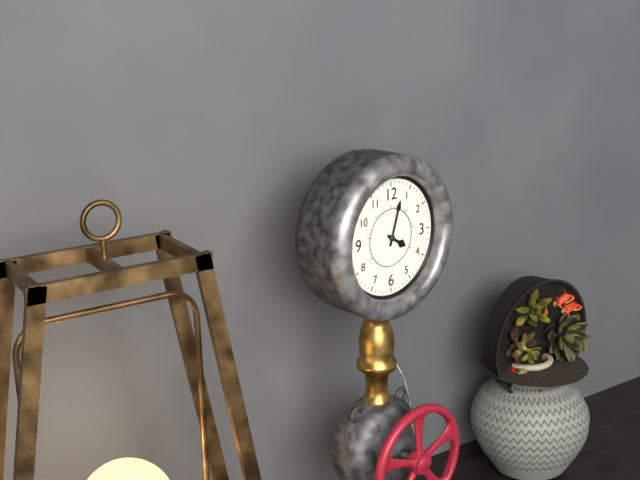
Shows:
4,03
